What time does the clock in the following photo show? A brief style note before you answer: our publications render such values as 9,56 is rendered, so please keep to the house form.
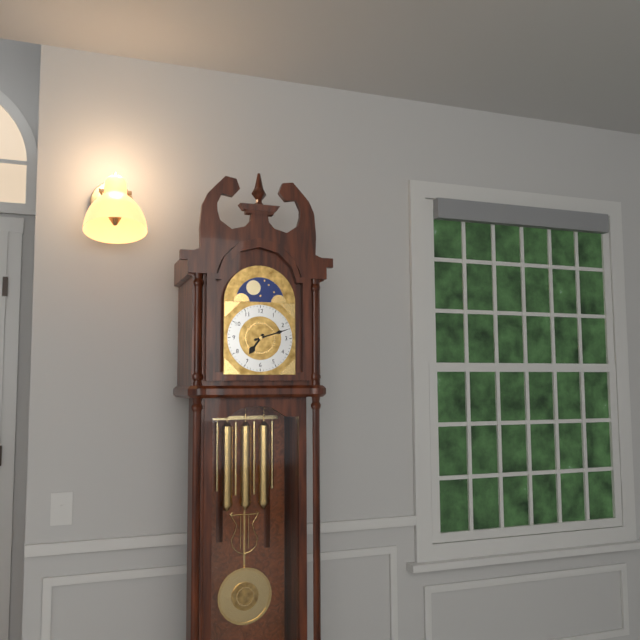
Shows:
7,12
